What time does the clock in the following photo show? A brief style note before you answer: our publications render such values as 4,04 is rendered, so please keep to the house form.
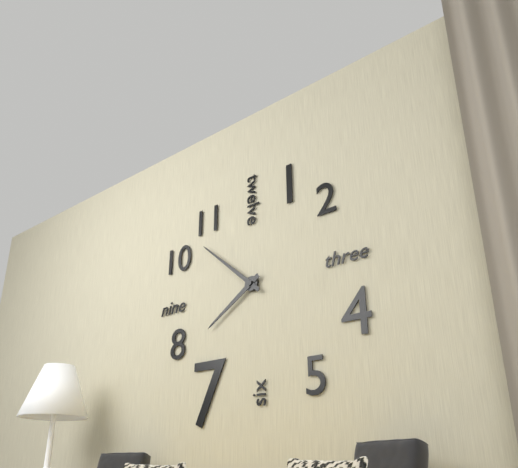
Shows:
7,52
